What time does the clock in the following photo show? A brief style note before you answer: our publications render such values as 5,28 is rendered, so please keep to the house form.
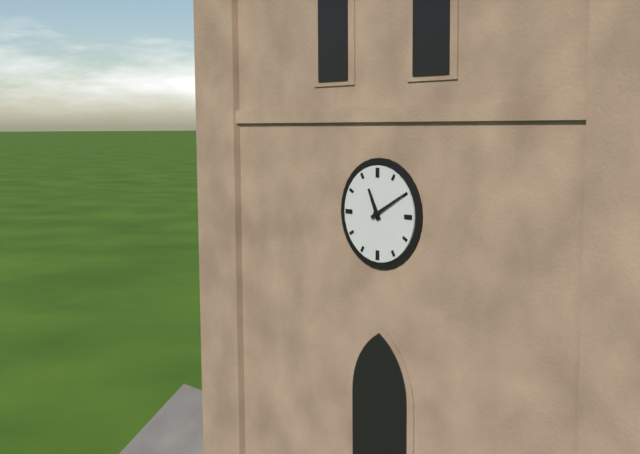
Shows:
11,10
